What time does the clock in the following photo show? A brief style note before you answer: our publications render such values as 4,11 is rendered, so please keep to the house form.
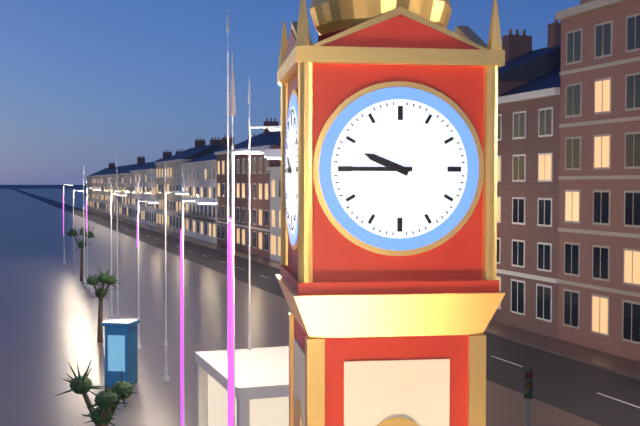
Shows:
9,45
